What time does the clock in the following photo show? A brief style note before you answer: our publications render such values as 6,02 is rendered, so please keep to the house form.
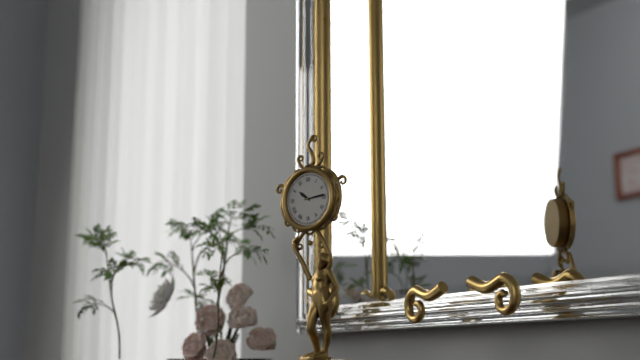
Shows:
10,14
